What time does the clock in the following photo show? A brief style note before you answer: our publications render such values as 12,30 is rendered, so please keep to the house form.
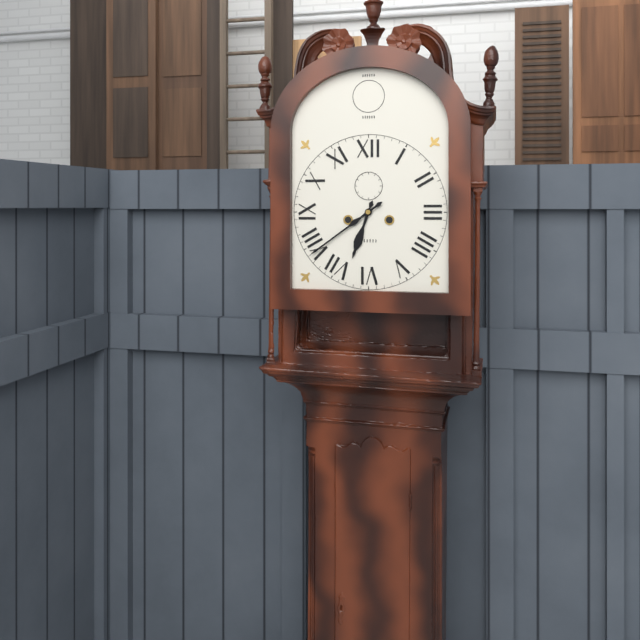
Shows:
6,39
